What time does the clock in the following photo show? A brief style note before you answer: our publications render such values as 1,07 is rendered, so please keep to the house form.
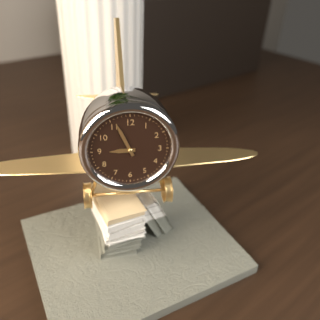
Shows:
8,56
